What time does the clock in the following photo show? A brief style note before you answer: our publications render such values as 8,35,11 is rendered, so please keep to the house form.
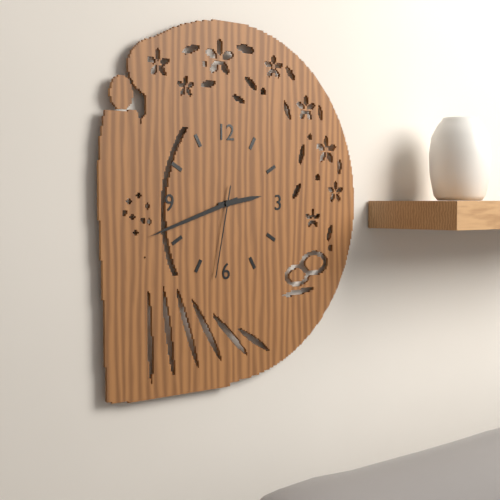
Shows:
2,42,32
